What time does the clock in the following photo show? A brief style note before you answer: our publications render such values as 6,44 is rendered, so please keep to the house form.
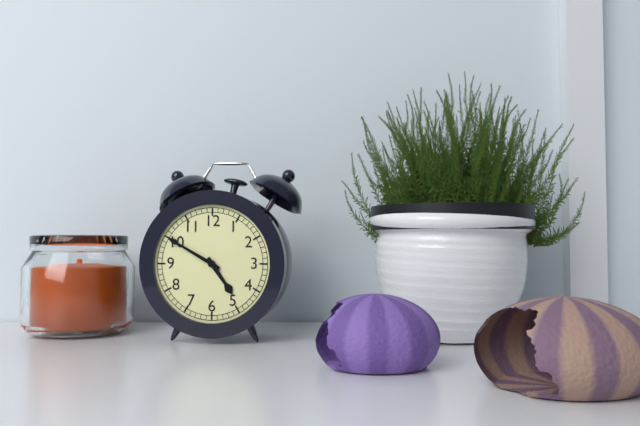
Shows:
4,50
